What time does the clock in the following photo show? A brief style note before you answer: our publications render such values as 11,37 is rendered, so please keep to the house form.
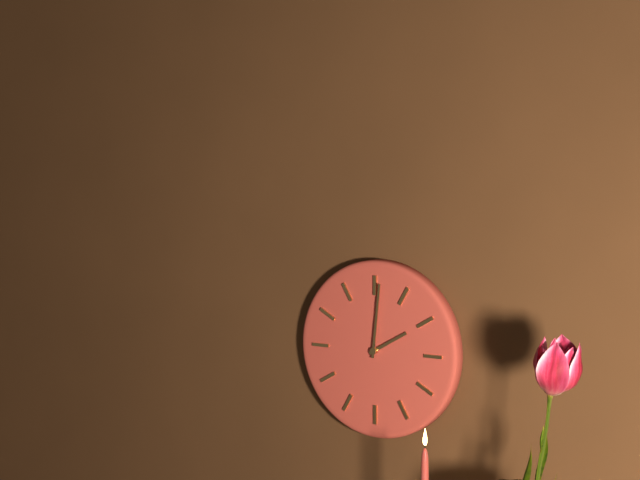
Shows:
2,01
